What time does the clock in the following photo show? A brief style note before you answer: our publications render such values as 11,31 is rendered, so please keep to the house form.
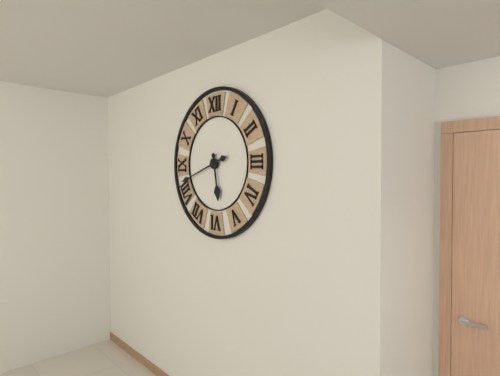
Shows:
5,42
